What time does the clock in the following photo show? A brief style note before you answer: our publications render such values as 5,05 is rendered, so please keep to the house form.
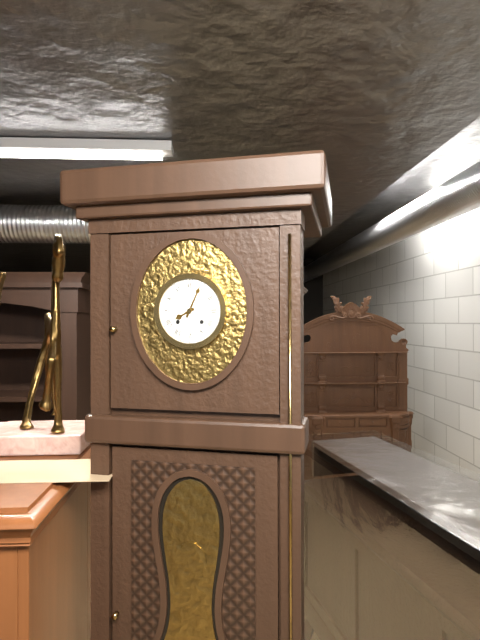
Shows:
8,04
